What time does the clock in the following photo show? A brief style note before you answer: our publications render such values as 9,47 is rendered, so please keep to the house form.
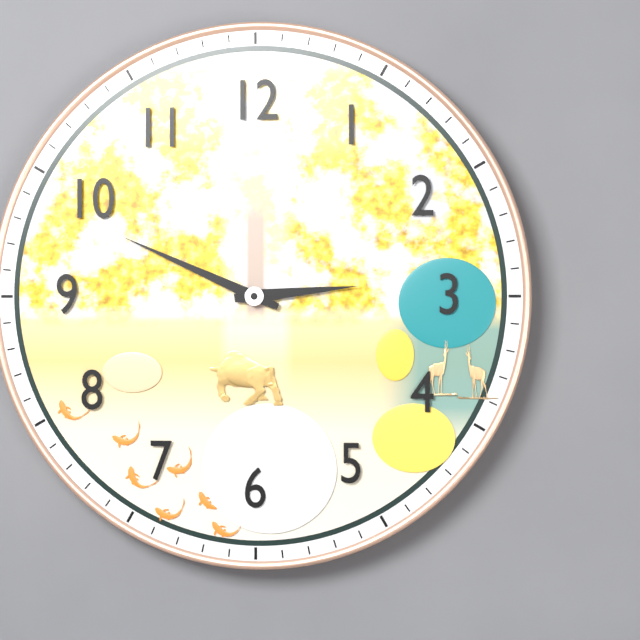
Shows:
2,49
